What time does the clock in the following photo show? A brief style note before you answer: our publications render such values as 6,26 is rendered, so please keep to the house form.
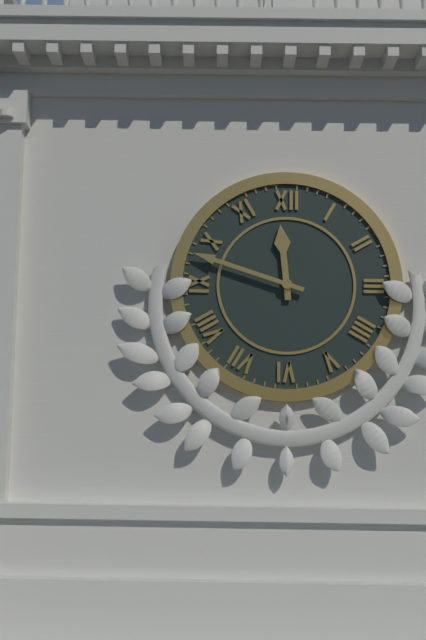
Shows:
11,48
